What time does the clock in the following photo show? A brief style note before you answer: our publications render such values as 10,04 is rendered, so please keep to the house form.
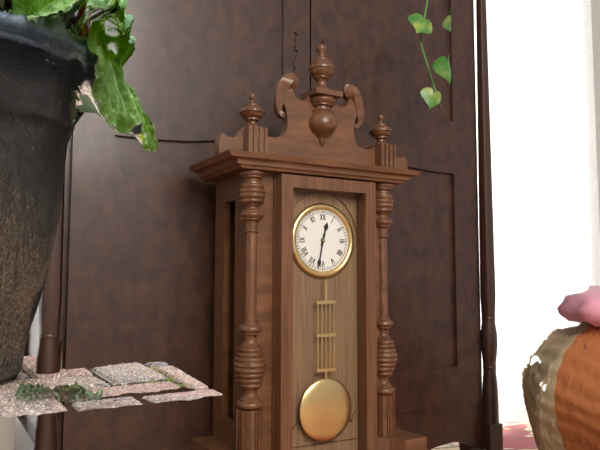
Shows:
12,32
